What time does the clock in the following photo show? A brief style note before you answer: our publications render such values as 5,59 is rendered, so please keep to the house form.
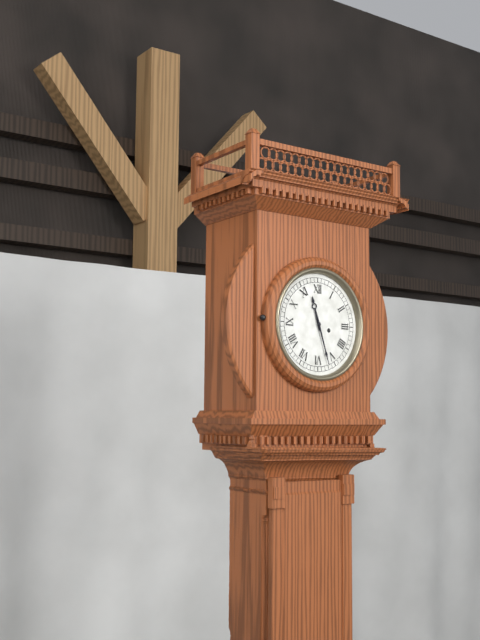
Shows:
11,27
